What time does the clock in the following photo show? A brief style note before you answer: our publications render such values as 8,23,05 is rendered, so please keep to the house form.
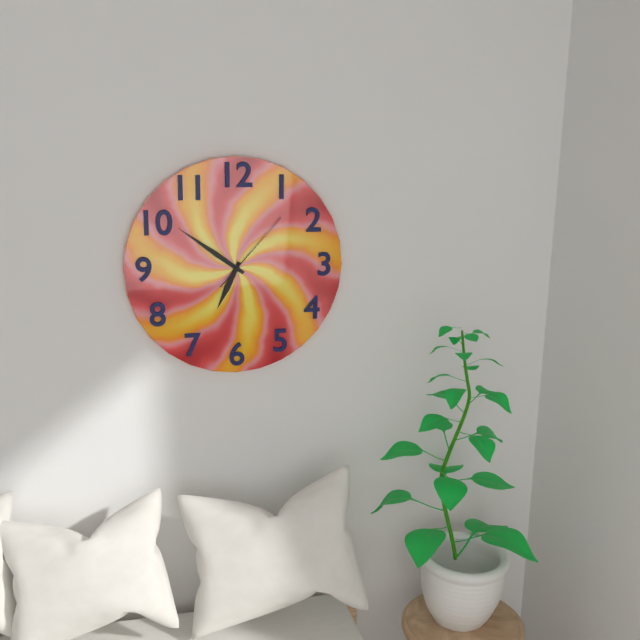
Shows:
6,51,07
